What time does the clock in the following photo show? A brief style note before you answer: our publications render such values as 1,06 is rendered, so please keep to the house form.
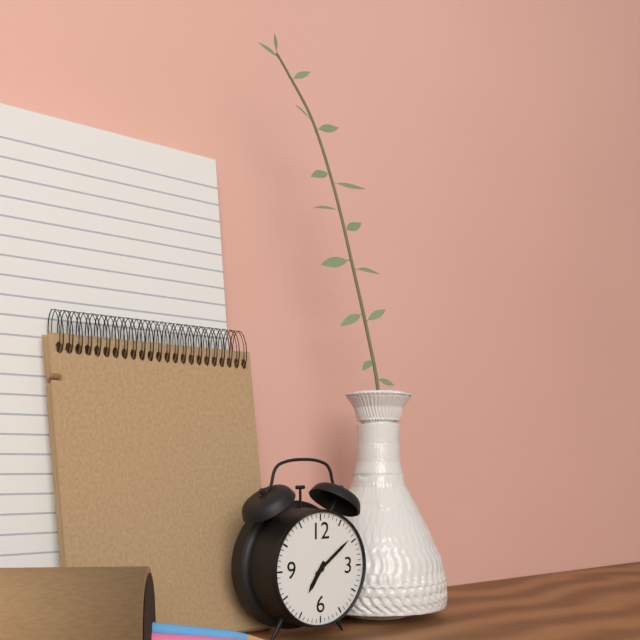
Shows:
7,09
